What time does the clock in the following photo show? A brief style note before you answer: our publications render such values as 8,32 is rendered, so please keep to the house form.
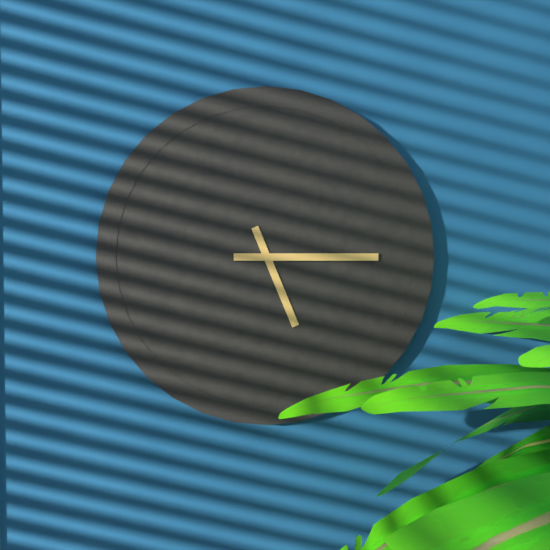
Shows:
5,15
